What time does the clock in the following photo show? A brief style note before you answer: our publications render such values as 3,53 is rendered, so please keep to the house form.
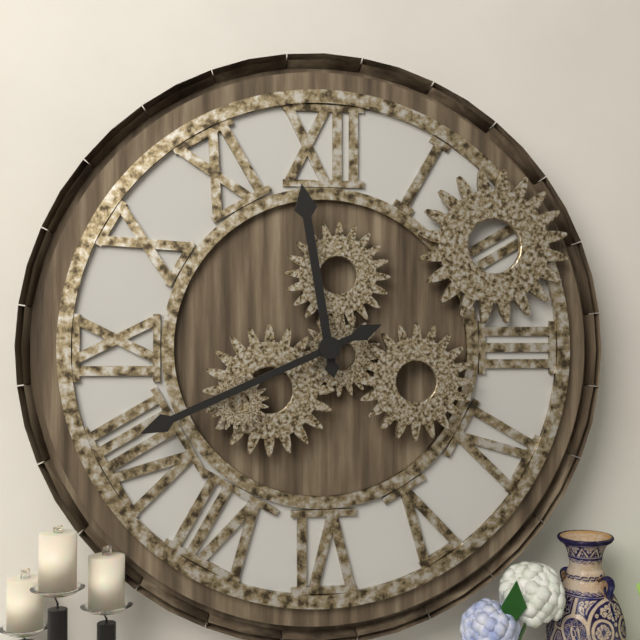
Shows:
11,41
